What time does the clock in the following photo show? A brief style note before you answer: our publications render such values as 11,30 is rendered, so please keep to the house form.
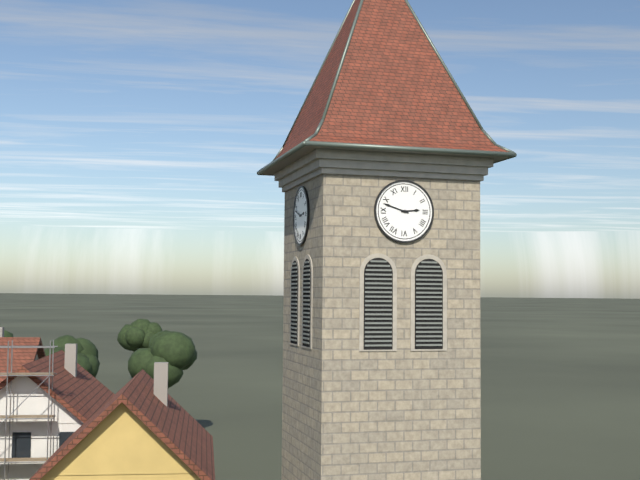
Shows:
2,48
